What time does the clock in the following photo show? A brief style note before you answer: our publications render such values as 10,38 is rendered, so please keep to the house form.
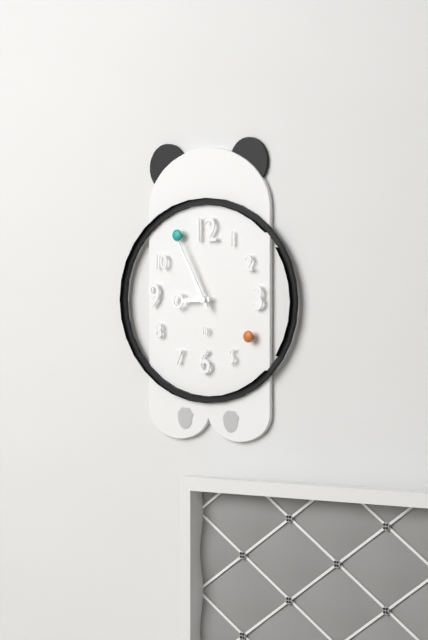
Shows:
8,55
